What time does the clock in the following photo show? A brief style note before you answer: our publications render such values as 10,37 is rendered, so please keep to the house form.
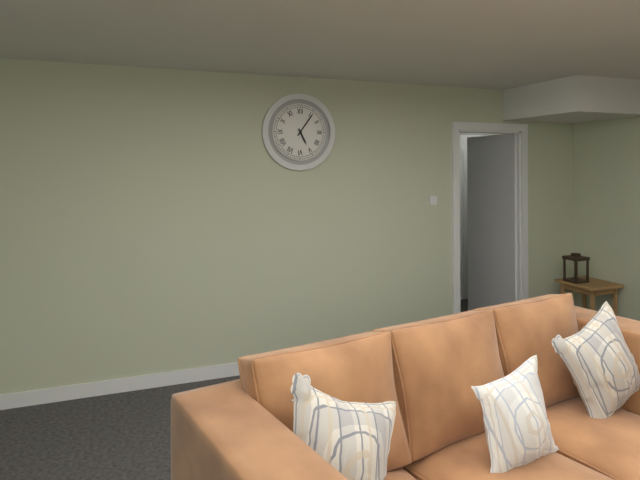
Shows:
5,06
